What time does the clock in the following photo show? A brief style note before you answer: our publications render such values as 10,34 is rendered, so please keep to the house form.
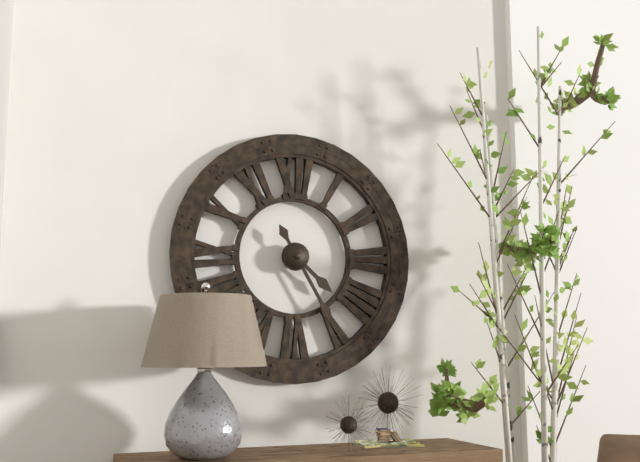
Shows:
4,25
